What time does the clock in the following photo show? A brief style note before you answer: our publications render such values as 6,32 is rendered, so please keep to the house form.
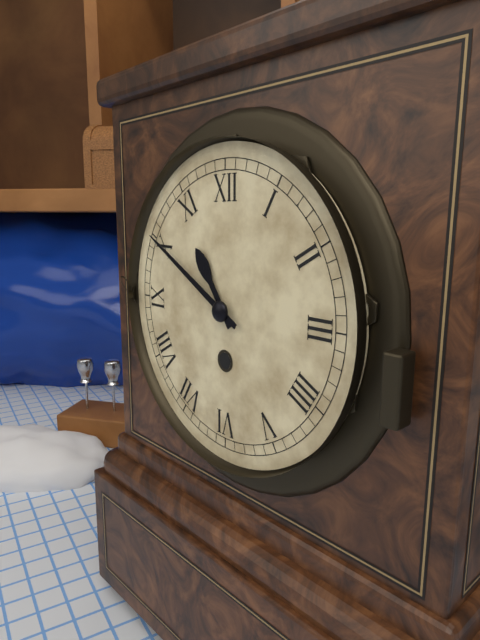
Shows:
10,50
